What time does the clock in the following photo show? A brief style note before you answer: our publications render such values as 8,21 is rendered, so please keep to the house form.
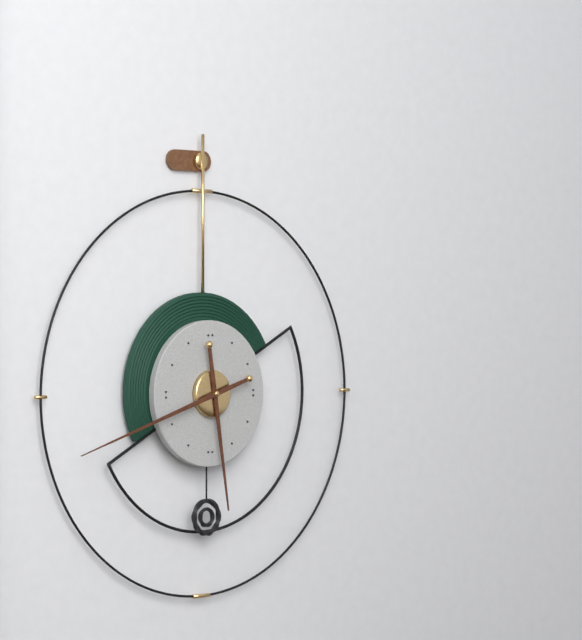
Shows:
5,42
